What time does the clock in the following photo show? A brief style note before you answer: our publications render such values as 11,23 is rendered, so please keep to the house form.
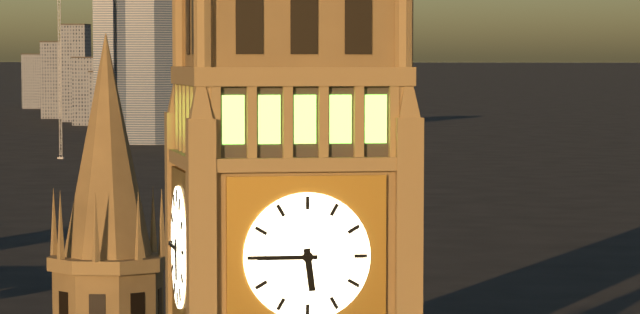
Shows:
5,45
